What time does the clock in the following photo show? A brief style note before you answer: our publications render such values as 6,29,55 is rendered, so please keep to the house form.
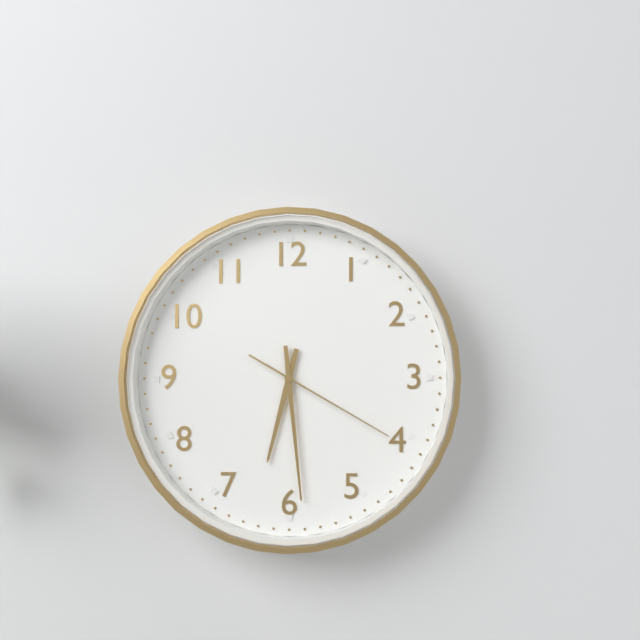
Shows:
6,29,20
